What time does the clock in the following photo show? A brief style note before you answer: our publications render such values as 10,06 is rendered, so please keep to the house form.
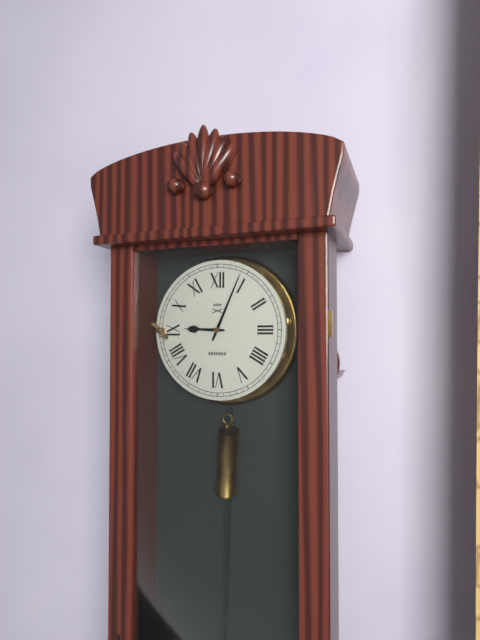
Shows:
9,04
